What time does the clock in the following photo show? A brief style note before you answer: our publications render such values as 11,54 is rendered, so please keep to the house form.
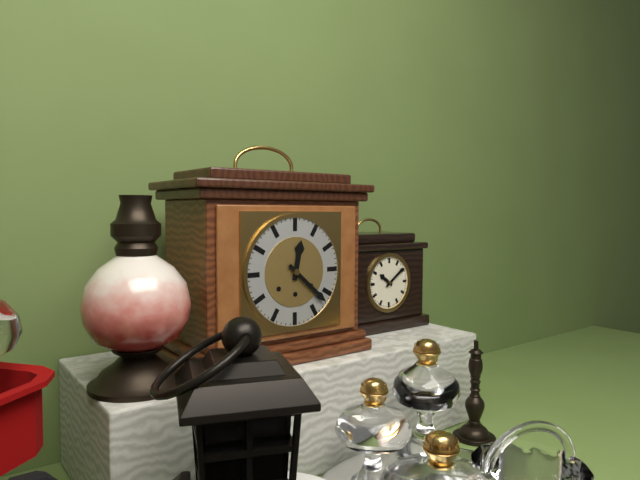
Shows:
12,22
